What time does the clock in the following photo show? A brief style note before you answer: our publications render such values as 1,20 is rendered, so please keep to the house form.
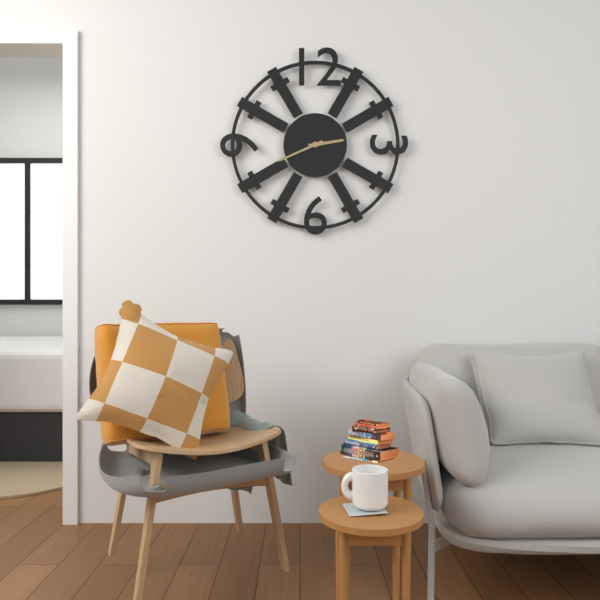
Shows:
2,41
